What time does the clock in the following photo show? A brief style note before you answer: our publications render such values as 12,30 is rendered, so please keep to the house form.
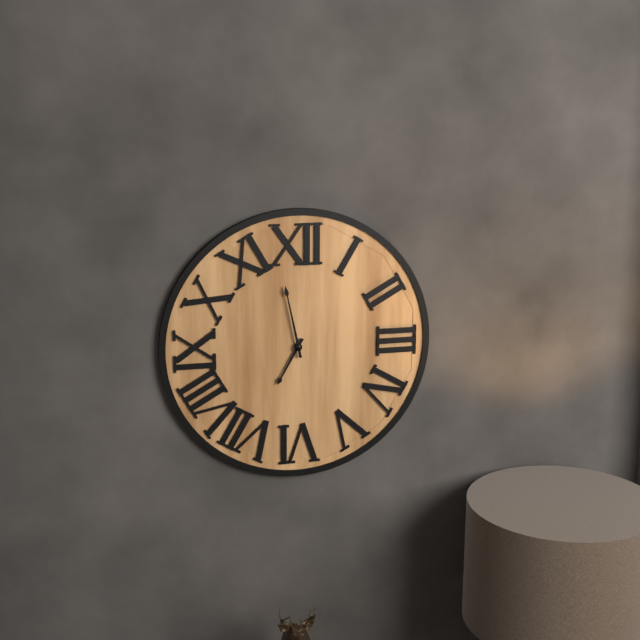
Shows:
6,58
